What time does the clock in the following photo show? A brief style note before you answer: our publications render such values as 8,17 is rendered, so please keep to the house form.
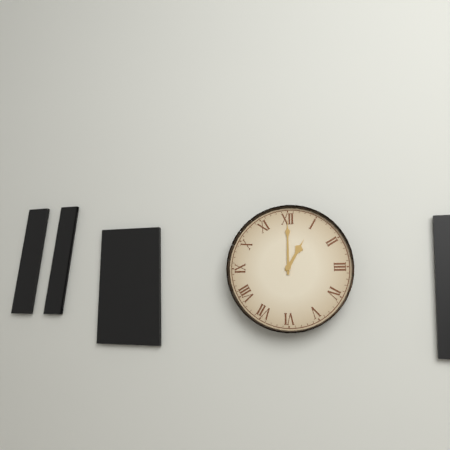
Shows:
1,00
